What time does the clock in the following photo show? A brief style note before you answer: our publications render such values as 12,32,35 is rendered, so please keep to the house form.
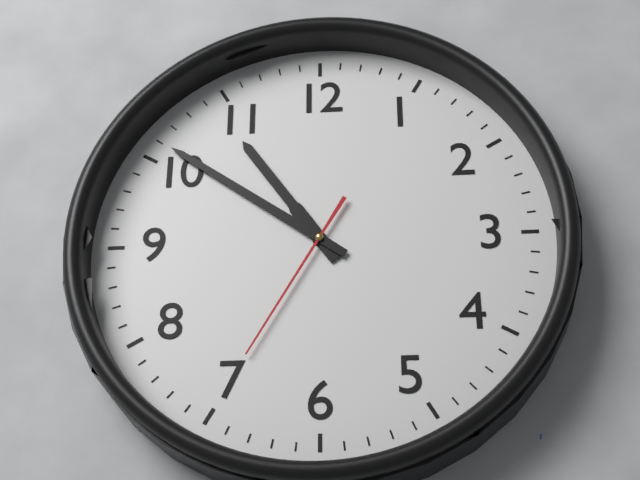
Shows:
10,51,35
